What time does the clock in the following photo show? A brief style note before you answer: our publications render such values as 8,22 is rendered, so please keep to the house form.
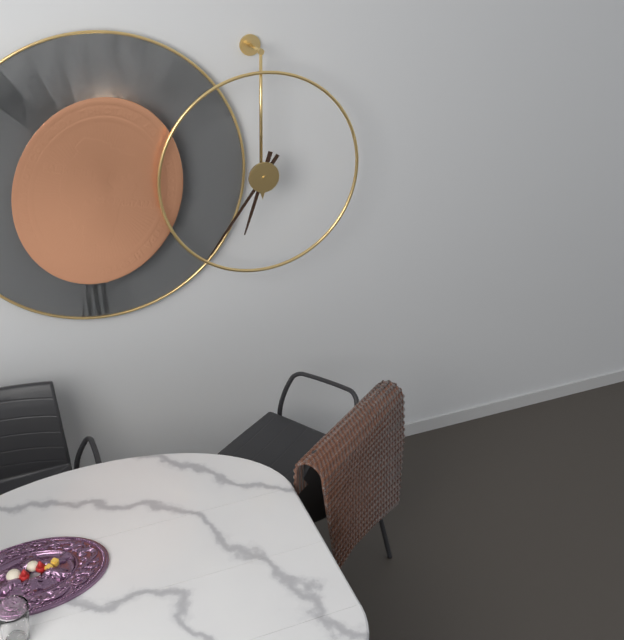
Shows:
6,36
